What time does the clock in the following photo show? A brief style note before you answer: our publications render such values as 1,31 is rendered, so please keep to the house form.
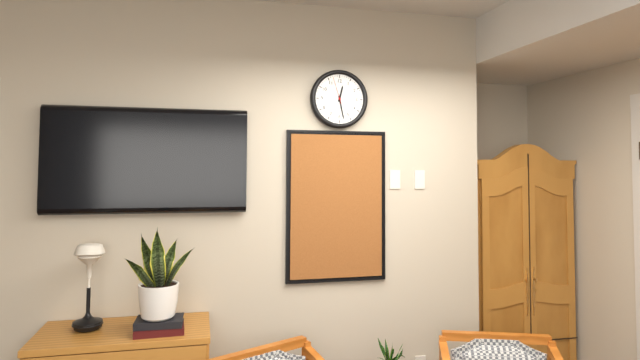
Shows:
12,28
